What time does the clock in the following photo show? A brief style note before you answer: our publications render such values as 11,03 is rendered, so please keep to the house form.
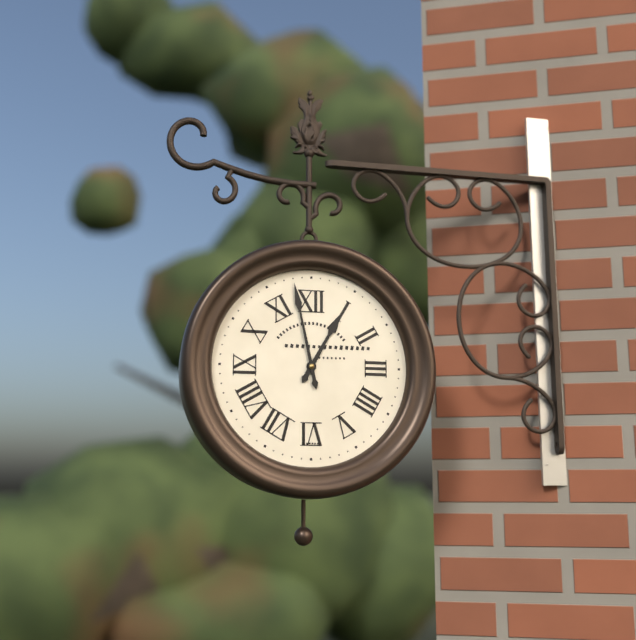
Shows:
12,58
